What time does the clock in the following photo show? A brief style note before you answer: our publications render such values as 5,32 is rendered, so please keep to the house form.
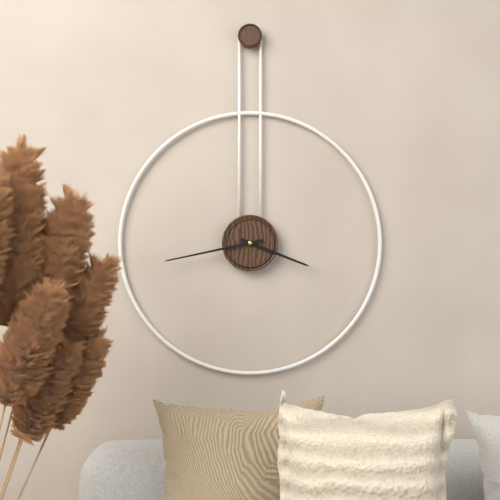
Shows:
3,43
